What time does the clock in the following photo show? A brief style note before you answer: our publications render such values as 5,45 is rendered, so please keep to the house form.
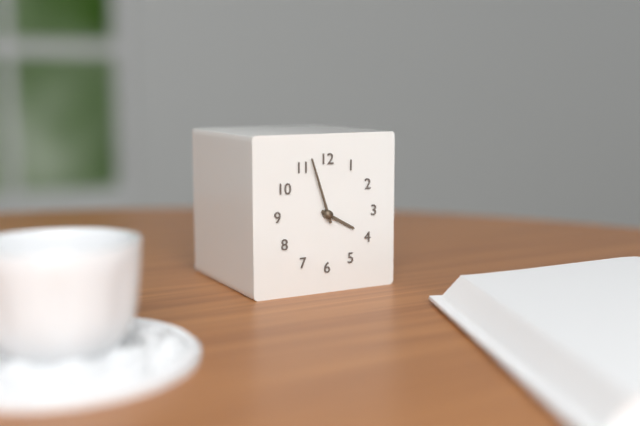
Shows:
3,57
